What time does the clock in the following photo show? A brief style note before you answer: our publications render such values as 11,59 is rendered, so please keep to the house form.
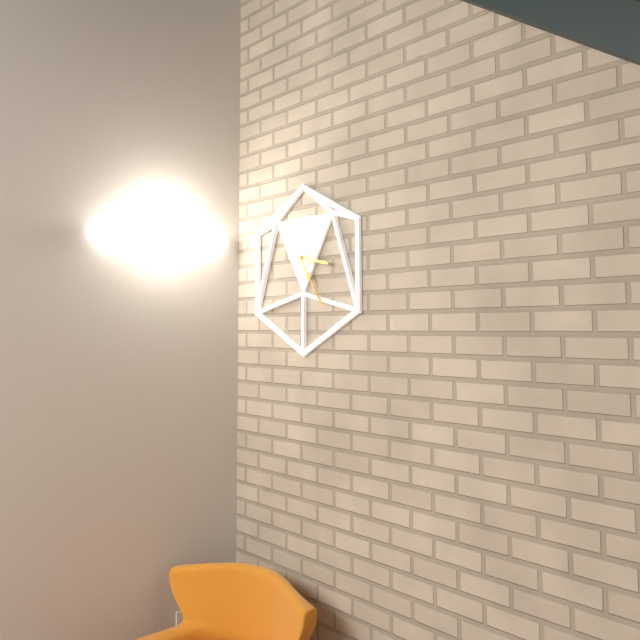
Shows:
3,24
